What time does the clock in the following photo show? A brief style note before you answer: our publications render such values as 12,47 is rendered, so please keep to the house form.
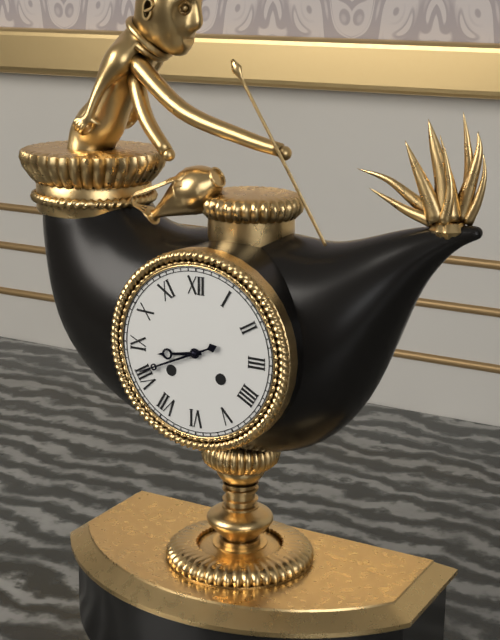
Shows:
8,41
